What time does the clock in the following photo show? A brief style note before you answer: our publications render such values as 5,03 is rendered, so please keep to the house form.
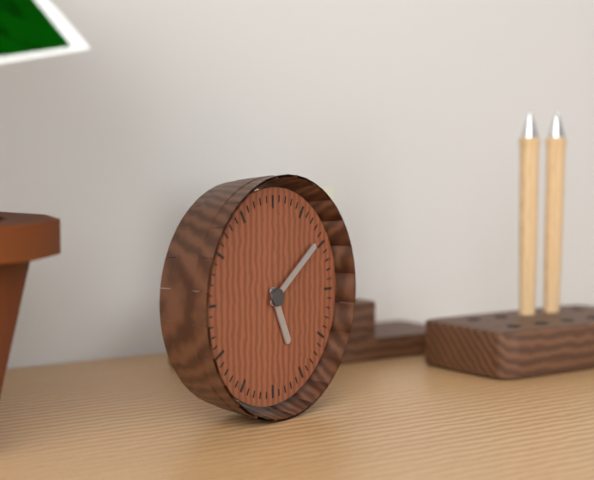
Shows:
5,09
